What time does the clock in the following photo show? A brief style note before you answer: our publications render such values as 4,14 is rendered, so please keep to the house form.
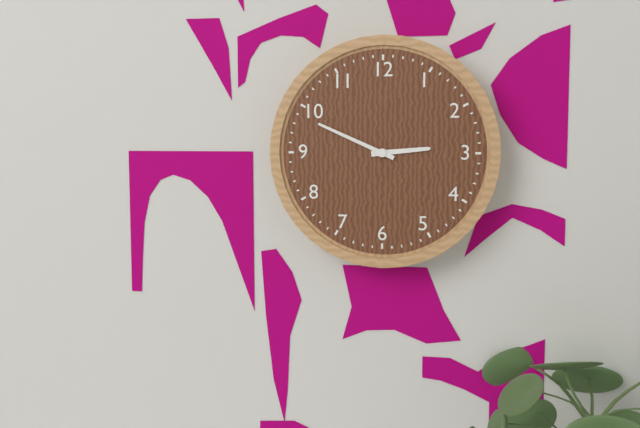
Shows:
2,49
